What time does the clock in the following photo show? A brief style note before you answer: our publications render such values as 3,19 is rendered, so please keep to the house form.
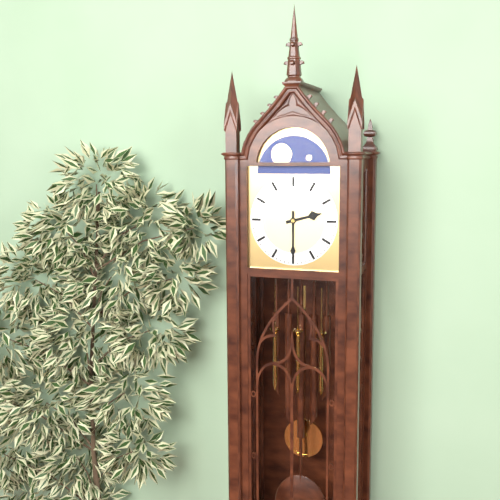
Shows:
2,30
